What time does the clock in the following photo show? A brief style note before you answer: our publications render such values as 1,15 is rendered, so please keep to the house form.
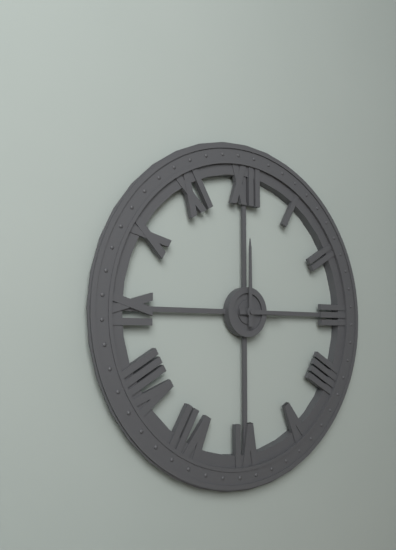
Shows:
3,00
